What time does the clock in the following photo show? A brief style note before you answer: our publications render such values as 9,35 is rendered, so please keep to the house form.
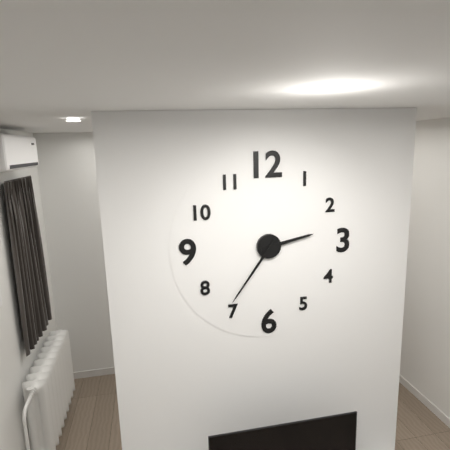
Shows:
2,36
